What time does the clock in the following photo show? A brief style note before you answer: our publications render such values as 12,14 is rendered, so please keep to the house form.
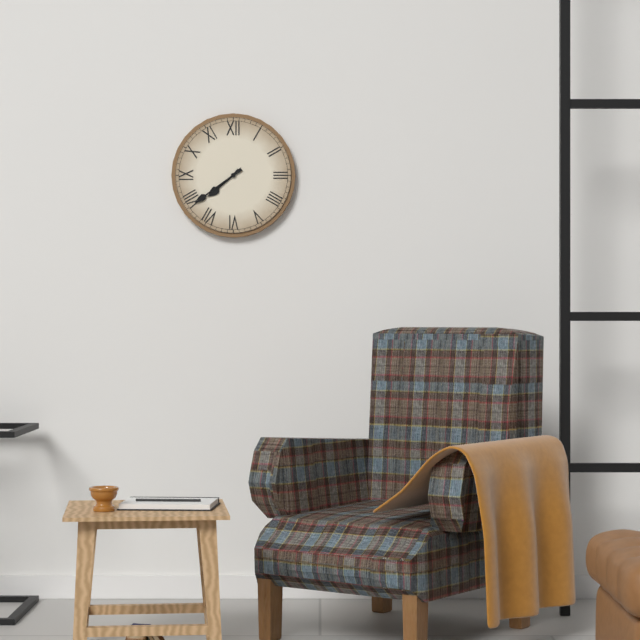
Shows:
7,39
